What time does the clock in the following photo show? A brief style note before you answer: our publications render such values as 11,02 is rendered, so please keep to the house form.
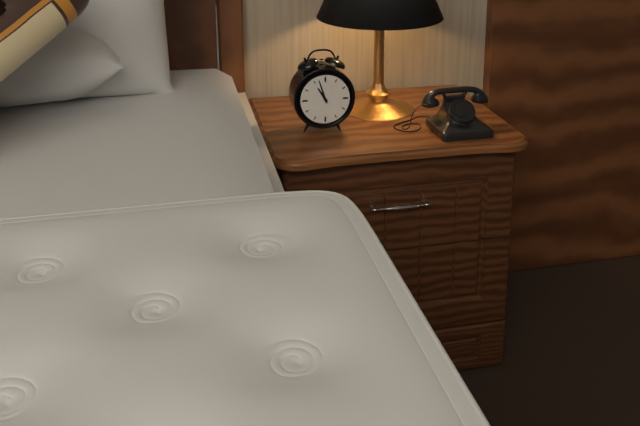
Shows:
10,57
